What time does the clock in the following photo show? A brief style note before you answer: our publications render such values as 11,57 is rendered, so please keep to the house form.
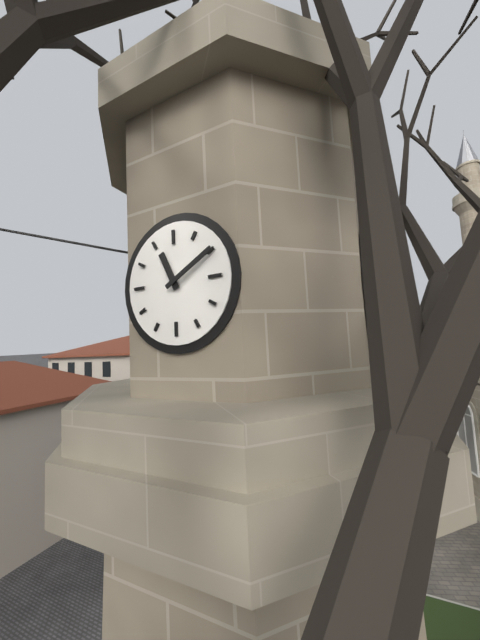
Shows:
11,10
